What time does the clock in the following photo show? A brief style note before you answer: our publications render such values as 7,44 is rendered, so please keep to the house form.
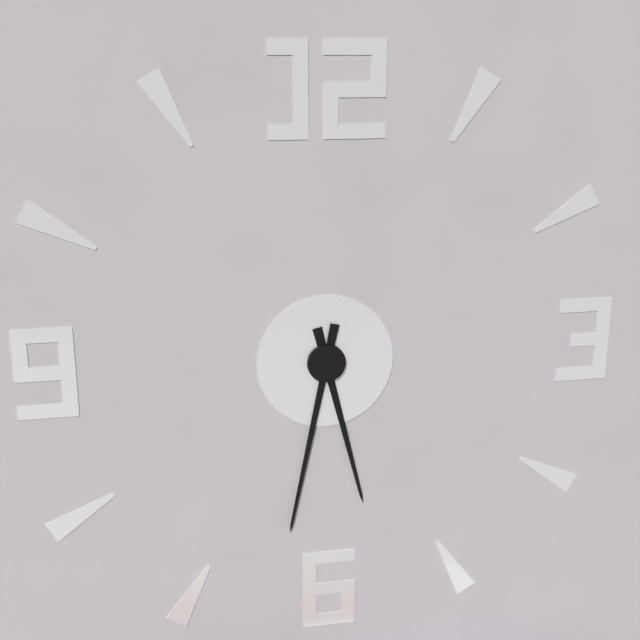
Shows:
5,32
